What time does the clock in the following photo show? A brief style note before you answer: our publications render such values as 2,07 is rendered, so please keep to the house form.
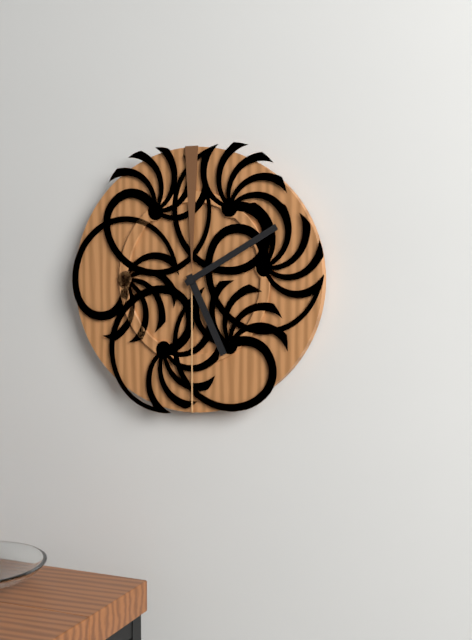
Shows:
5,10
